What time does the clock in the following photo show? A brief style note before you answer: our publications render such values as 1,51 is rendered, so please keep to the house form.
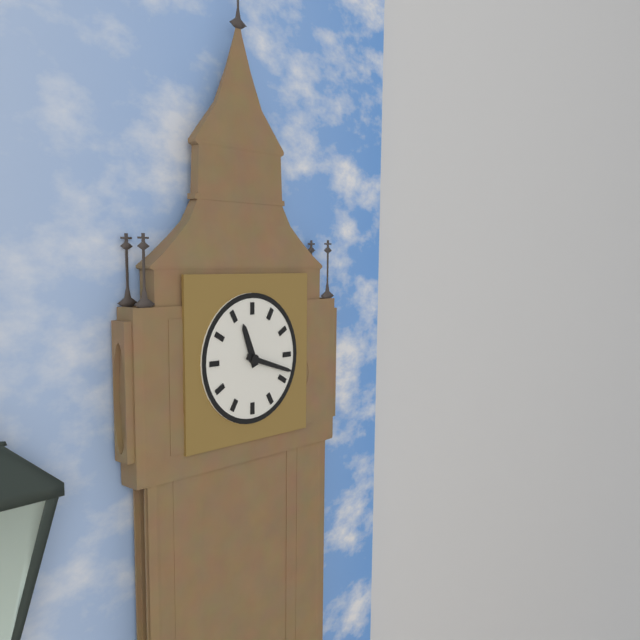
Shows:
11,18
